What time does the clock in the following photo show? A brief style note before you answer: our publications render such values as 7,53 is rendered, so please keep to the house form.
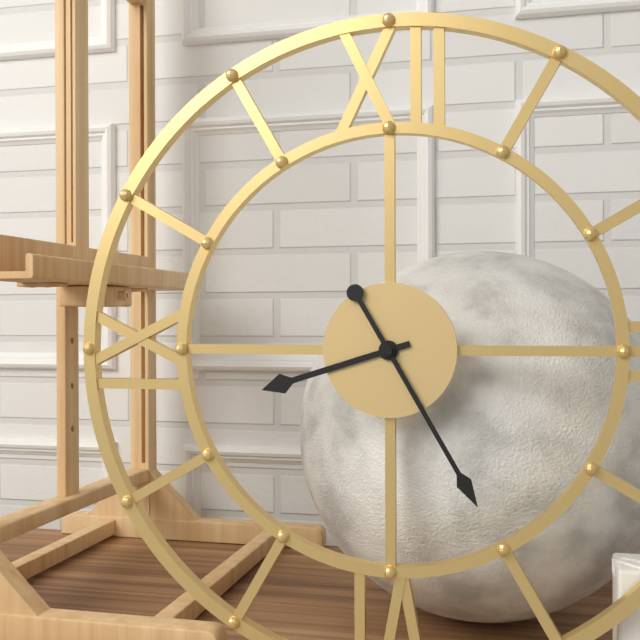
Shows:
8,25
